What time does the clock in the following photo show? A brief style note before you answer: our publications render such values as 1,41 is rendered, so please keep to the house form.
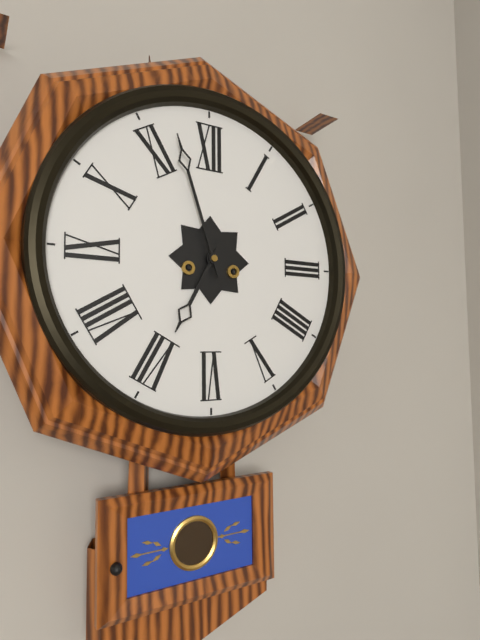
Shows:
6,57
